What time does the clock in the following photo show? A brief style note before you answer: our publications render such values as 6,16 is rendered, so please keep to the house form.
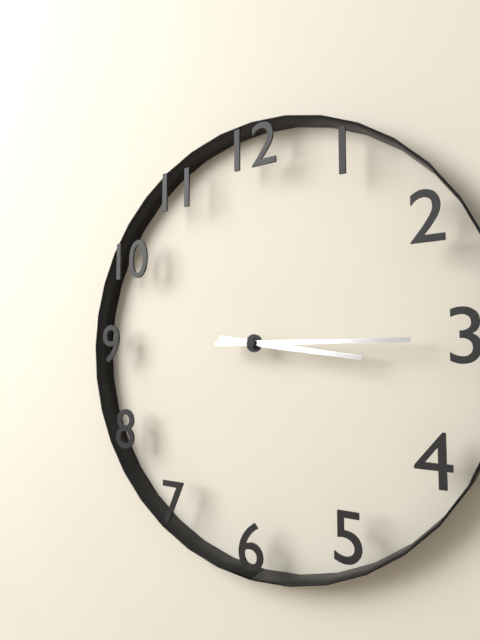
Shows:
3,15
